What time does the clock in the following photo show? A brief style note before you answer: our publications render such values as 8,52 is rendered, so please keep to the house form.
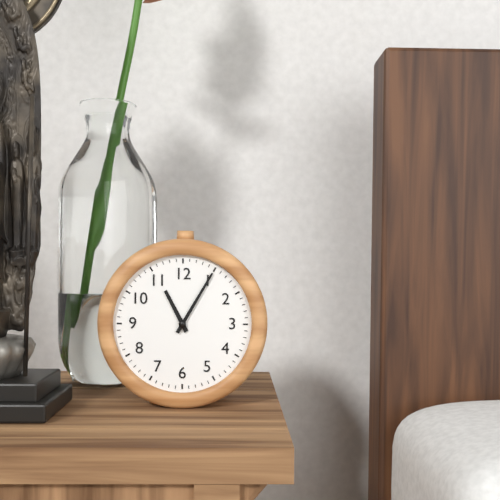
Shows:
11,05
